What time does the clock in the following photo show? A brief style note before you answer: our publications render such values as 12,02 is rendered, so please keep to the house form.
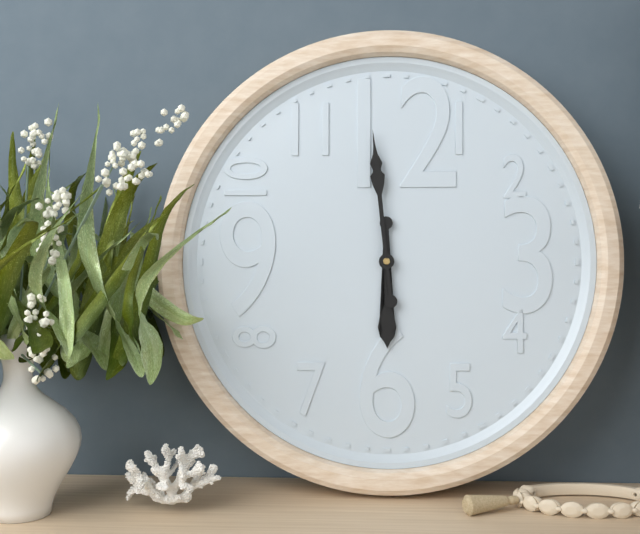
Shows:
5,59
